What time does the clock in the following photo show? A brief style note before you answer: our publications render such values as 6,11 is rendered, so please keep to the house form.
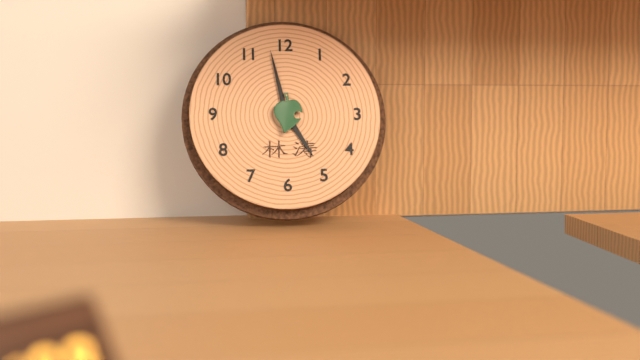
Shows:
4,58
